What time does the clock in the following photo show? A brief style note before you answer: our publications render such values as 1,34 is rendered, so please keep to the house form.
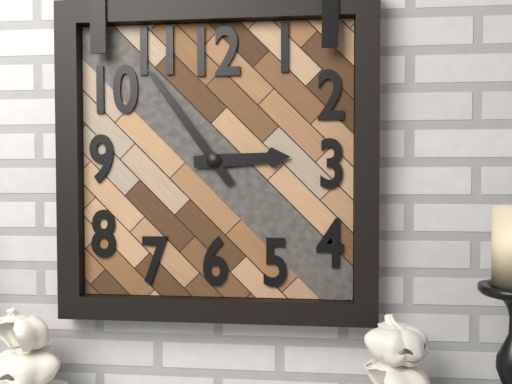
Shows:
2,54
